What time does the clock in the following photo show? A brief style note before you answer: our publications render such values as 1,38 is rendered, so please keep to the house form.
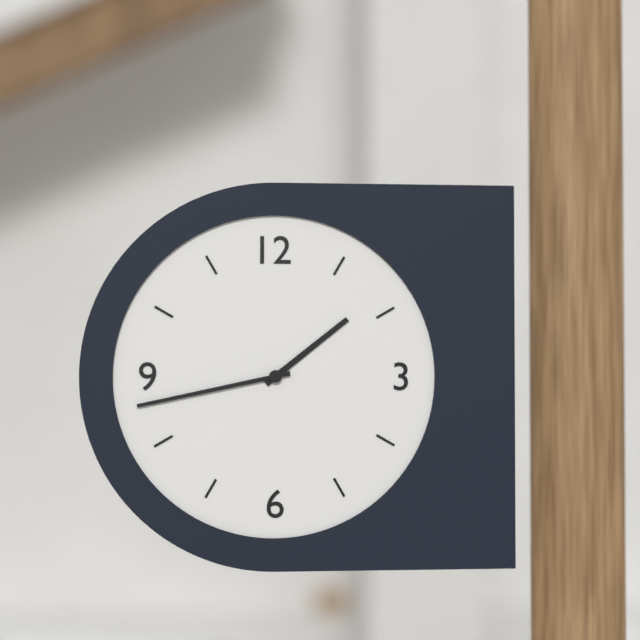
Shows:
1,43
